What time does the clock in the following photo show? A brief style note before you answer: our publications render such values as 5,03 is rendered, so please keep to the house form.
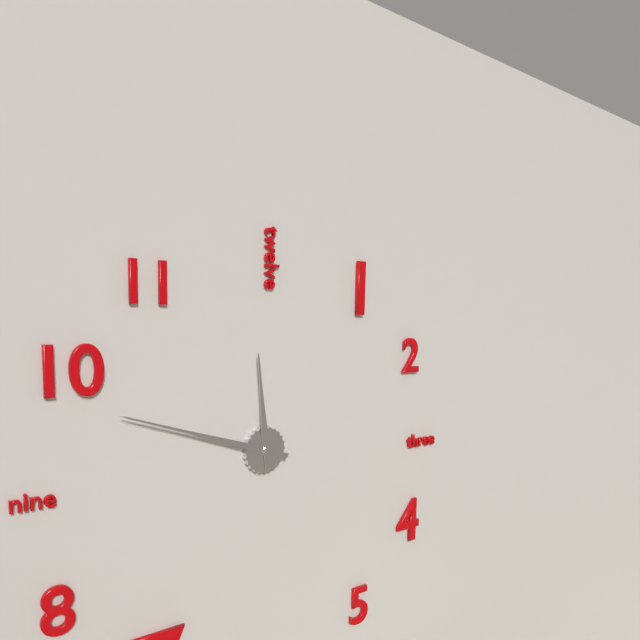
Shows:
11,48
